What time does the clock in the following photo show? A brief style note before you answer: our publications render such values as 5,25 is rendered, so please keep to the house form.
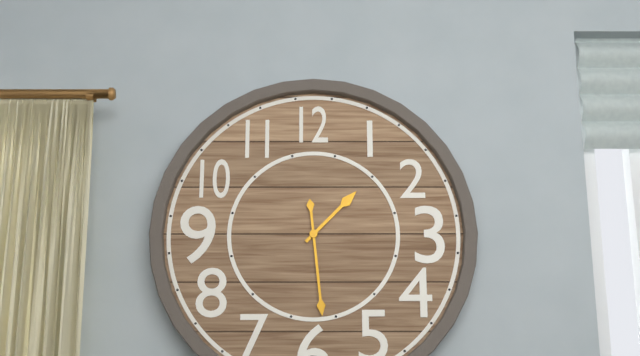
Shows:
1,29
